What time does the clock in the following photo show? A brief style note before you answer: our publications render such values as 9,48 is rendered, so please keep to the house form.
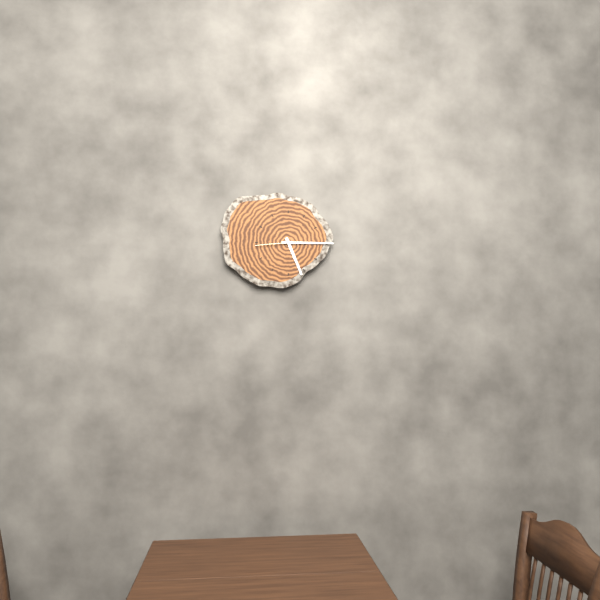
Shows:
5,15
